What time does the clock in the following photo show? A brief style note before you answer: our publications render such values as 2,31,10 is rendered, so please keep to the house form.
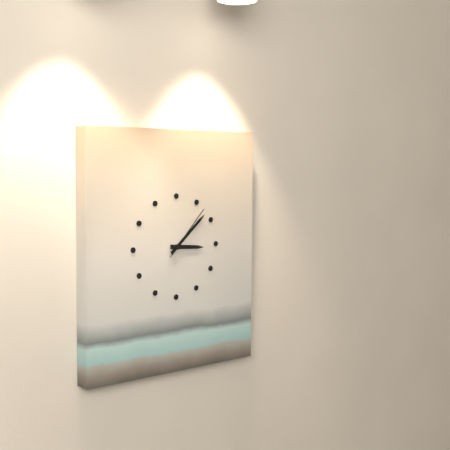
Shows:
3,08,07
